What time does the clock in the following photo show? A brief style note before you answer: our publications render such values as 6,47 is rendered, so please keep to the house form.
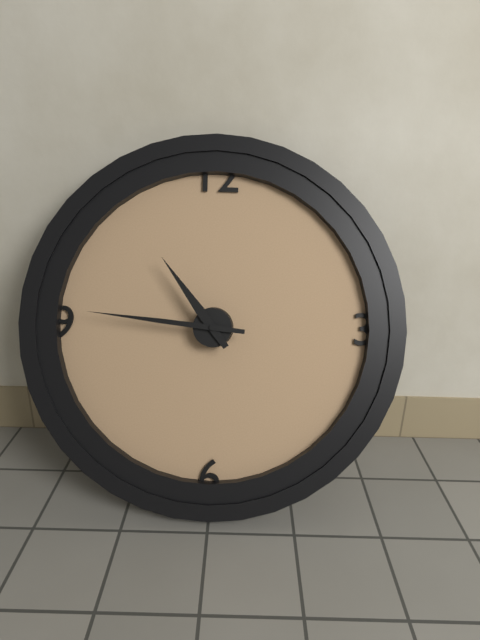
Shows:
10,46
